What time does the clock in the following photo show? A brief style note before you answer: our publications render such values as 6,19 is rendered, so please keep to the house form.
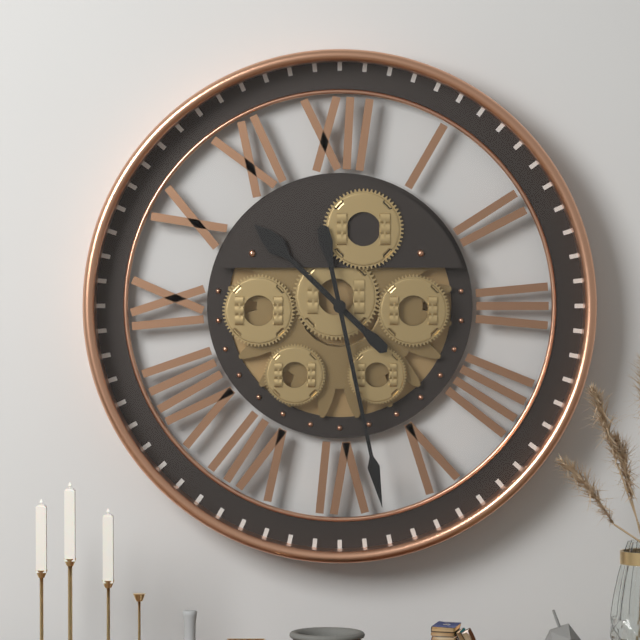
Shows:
10,28
